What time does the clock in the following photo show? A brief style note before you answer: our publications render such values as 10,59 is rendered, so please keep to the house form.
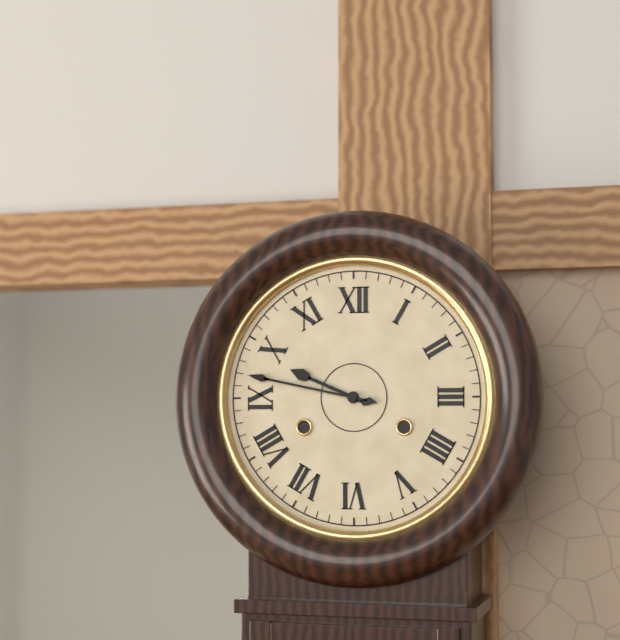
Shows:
9,47
